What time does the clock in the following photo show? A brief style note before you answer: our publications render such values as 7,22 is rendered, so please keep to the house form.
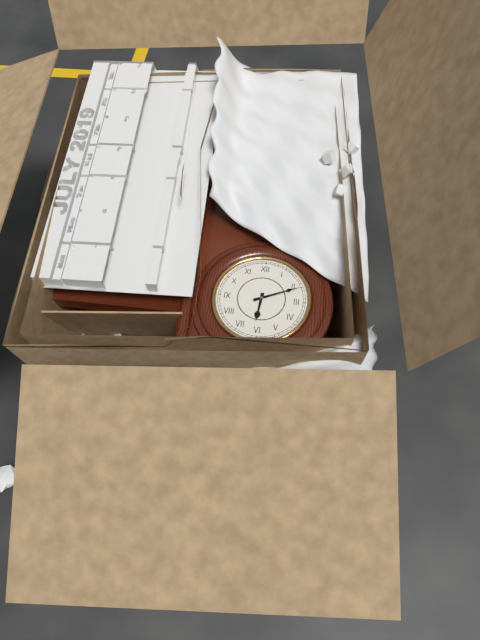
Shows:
6,11
